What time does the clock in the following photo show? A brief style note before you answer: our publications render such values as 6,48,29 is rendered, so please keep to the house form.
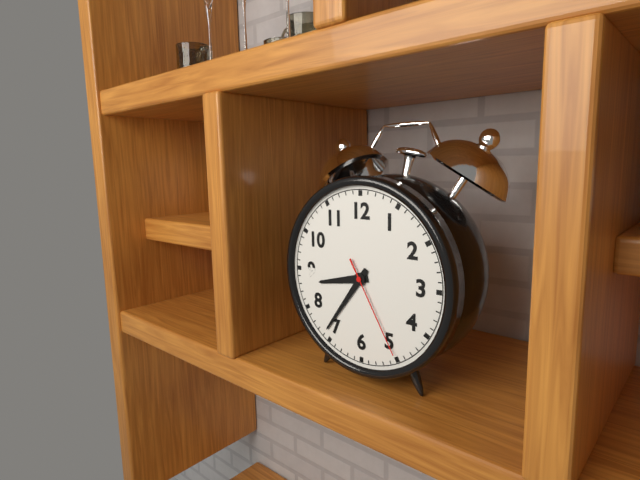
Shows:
8,36,25
